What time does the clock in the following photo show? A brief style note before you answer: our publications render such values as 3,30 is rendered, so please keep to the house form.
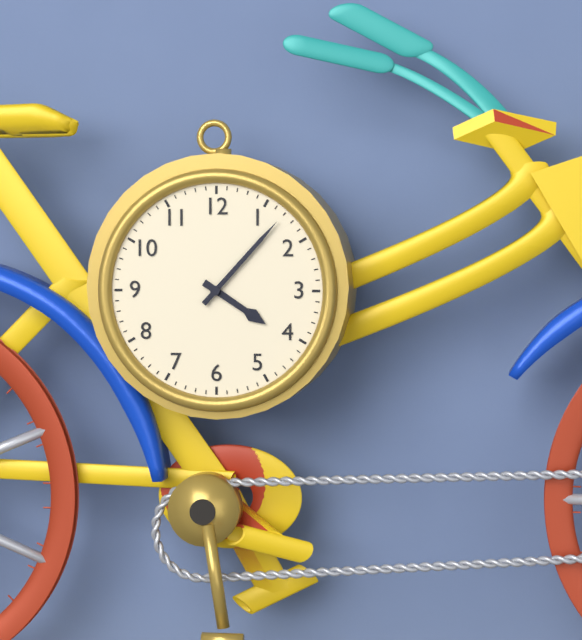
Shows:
4,07
